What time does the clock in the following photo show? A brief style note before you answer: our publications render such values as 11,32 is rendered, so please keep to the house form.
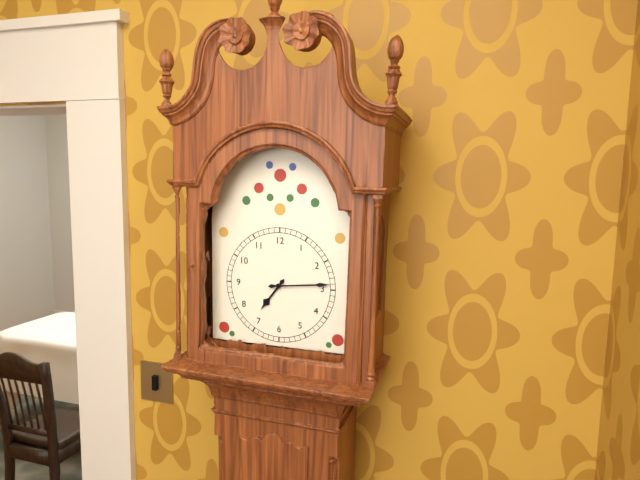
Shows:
7,14
